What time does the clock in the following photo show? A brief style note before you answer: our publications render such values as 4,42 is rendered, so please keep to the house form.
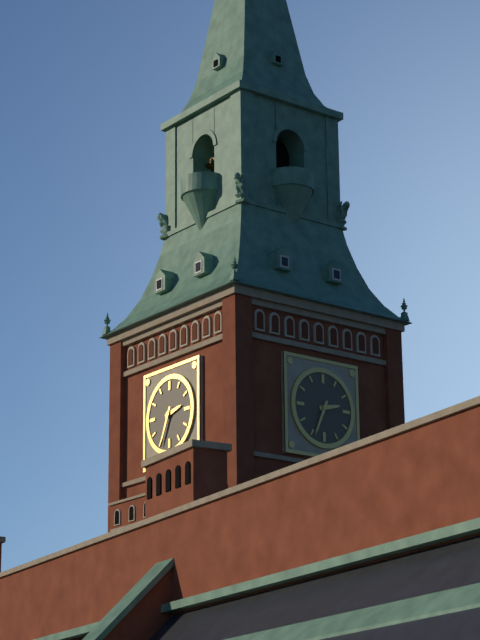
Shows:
2,34
